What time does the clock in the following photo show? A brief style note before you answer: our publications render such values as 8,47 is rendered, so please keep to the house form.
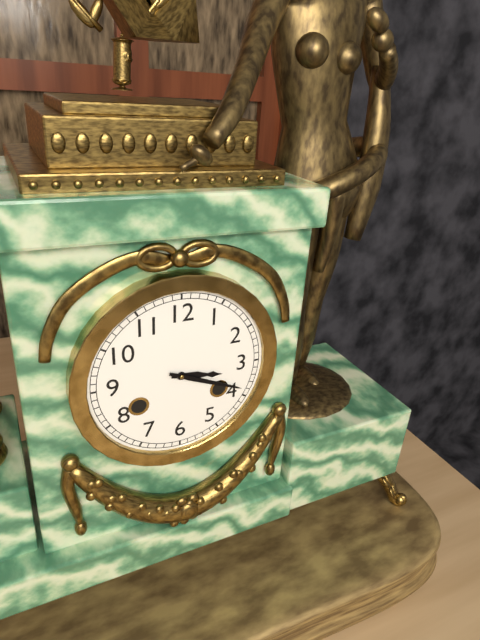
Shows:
3,19
